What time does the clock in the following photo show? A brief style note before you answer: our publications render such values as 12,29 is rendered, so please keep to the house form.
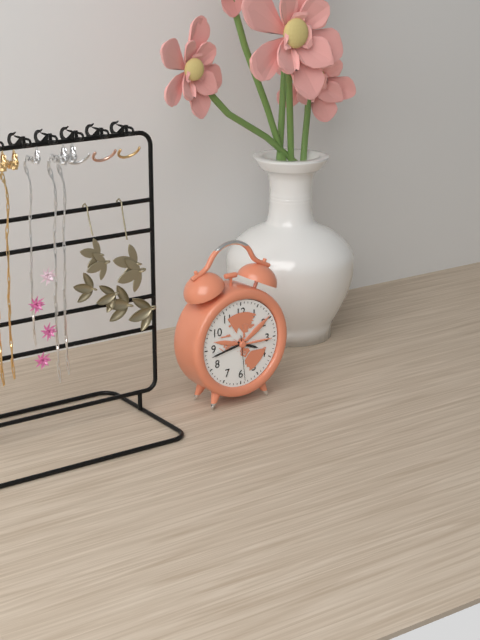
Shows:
3,43
